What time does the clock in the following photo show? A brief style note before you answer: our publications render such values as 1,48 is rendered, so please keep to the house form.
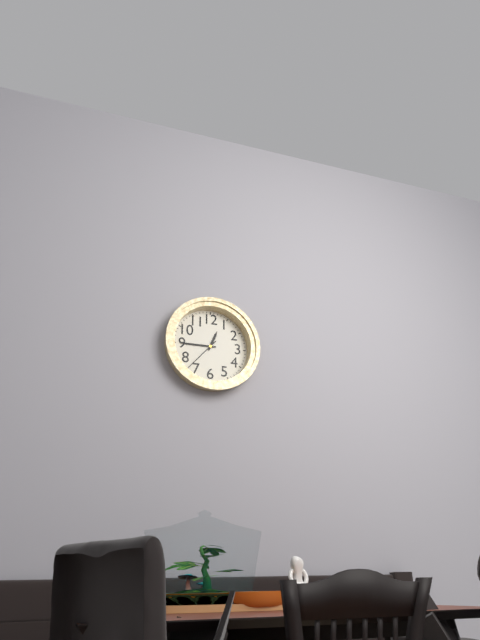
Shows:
12,45
